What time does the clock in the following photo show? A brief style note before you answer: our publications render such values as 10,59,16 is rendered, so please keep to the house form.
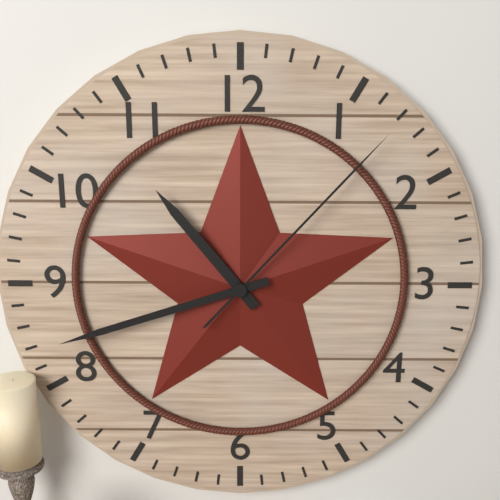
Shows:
10,42,07
